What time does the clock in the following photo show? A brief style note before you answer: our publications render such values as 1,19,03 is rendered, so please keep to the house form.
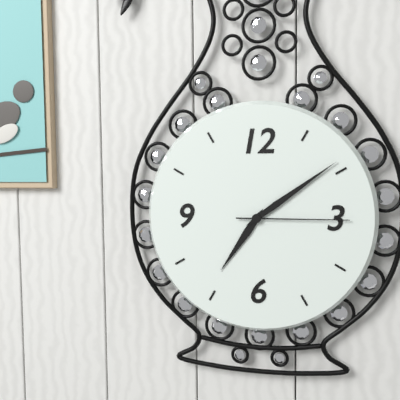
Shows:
7,09,15
